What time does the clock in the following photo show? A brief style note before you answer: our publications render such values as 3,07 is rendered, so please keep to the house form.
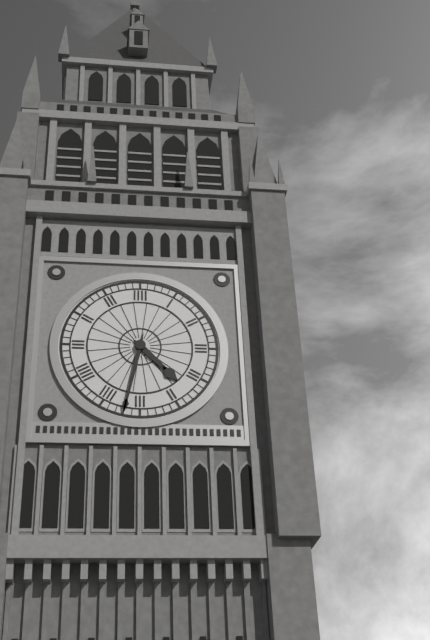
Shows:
4,32
